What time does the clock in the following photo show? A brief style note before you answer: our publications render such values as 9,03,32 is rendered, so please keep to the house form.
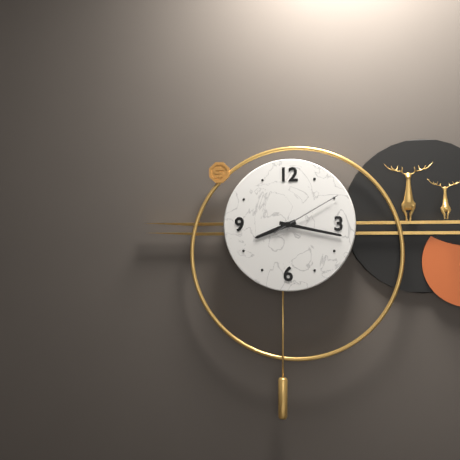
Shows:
8,17,10
